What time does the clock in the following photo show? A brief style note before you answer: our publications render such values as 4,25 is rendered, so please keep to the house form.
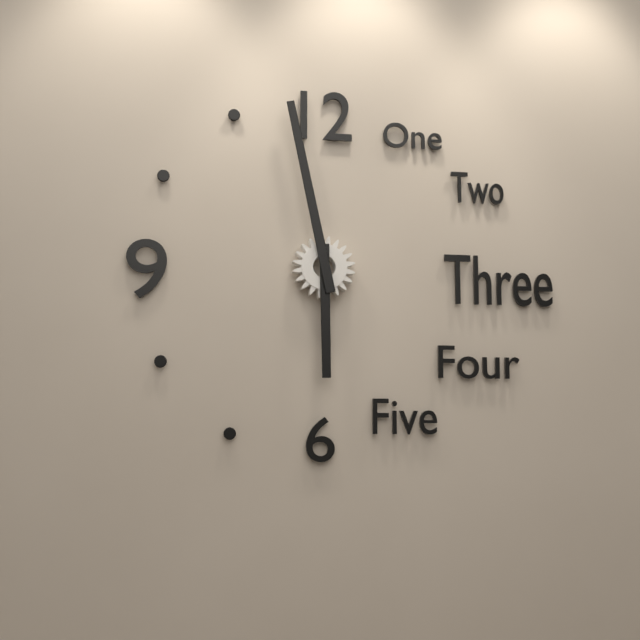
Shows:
5,58
